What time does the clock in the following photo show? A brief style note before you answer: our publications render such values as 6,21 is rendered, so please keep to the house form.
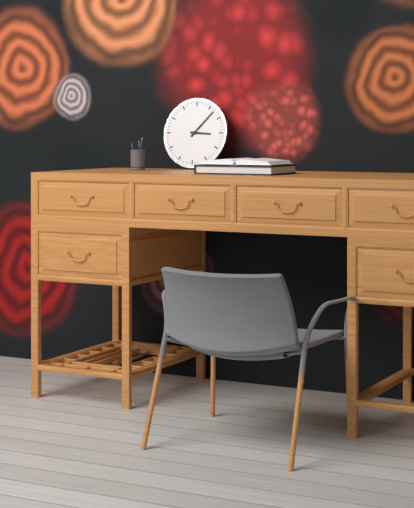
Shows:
3,07
